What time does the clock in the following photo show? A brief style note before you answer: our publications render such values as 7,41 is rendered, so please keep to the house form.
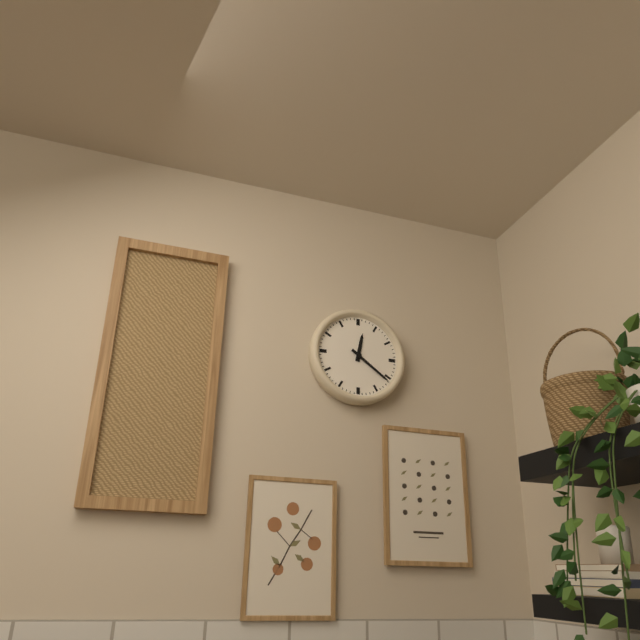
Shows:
12,21
